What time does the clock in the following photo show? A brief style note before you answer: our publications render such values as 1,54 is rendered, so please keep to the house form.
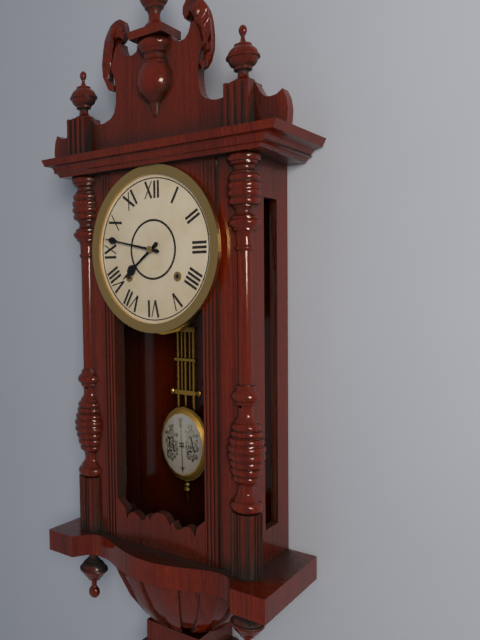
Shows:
7,47
